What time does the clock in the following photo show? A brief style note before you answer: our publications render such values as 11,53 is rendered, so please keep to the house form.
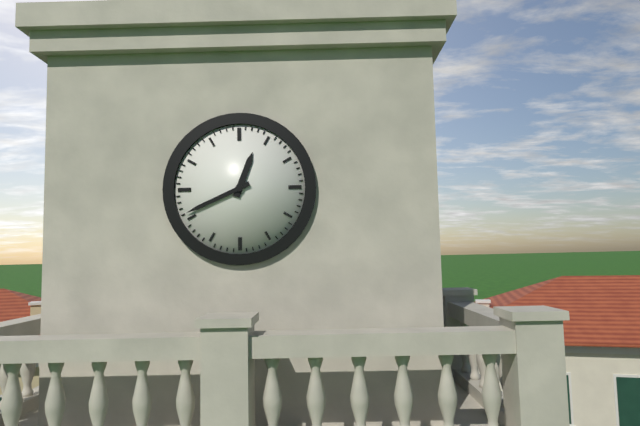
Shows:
12,41
